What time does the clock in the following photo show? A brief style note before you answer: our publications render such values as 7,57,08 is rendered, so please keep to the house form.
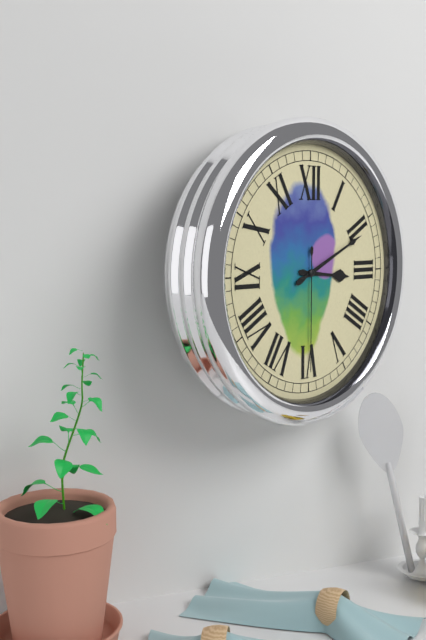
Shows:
3,11,30
